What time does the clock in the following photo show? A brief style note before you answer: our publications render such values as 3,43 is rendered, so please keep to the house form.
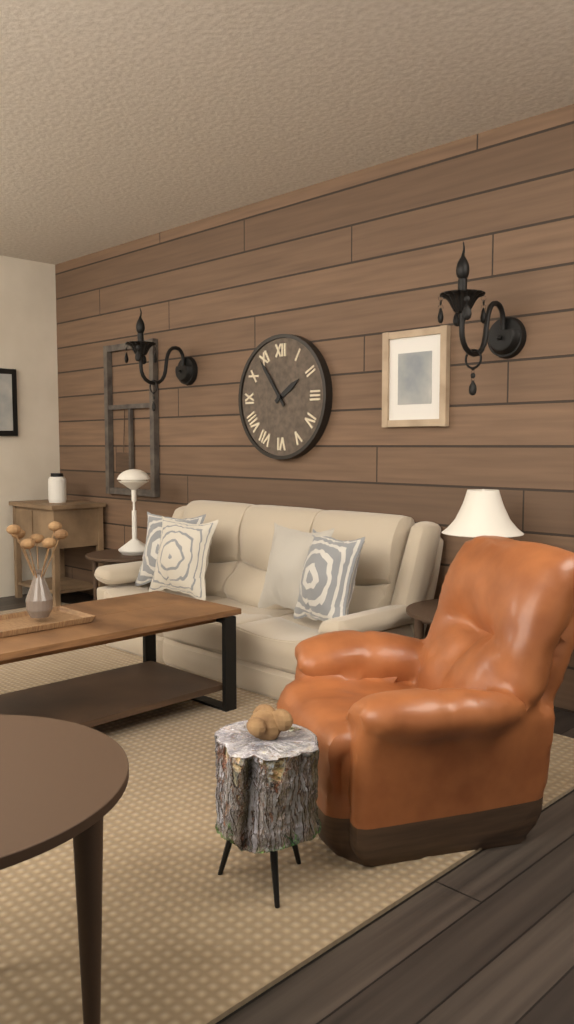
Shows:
1,54
